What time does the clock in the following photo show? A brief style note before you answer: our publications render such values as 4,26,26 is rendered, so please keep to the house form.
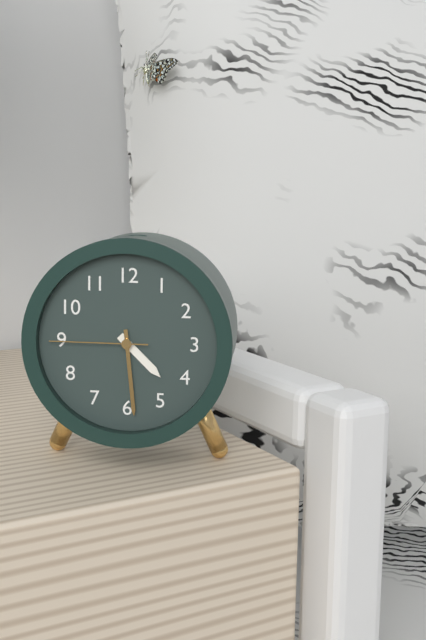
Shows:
4,29,45
